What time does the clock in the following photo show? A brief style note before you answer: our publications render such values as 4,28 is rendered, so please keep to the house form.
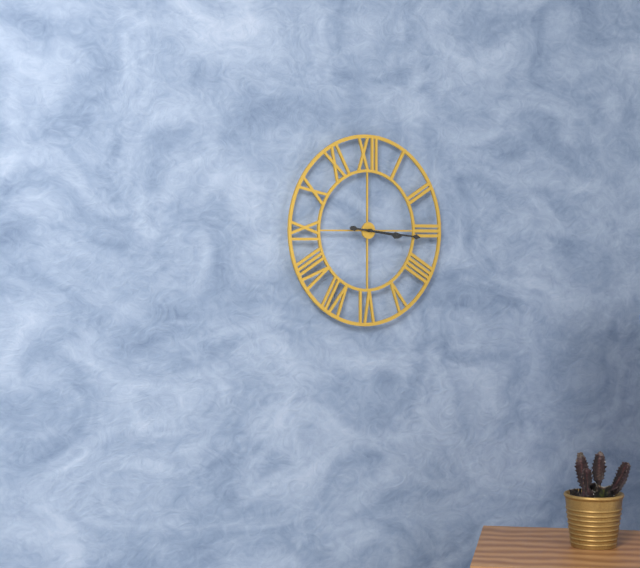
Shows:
3,16
